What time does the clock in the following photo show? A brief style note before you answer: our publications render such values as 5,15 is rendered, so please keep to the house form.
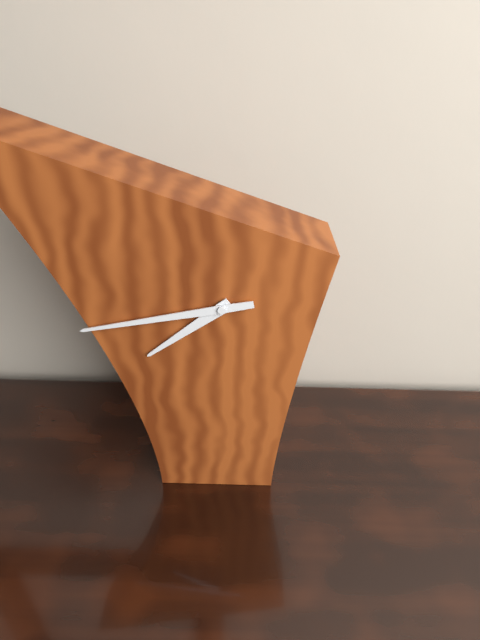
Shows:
7,43
